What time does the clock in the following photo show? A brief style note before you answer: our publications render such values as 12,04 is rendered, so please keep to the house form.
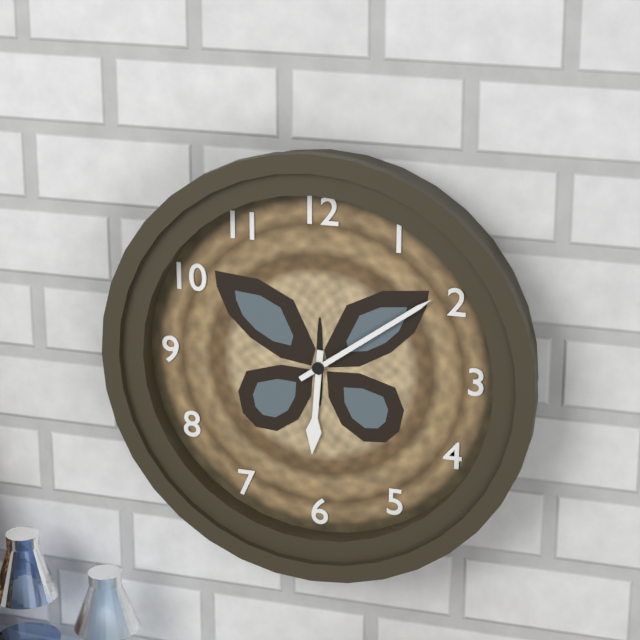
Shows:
6,09
